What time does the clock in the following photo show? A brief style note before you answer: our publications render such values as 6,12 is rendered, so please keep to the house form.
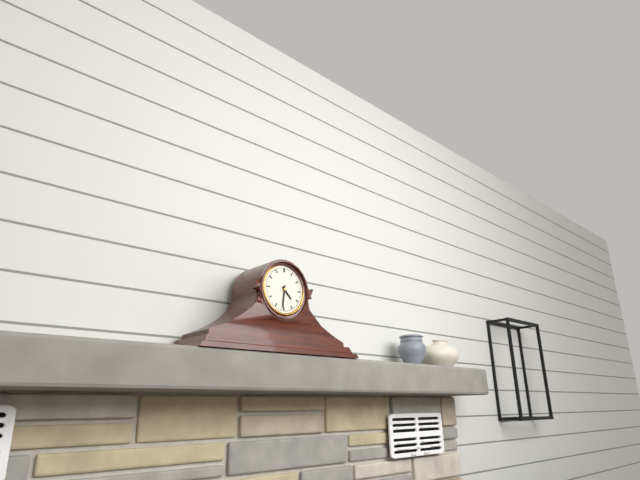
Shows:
4,31
